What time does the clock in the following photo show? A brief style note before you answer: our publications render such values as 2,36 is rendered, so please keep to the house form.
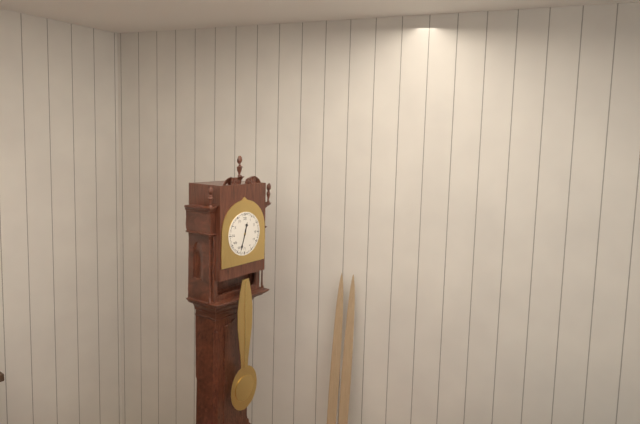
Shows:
12,33
